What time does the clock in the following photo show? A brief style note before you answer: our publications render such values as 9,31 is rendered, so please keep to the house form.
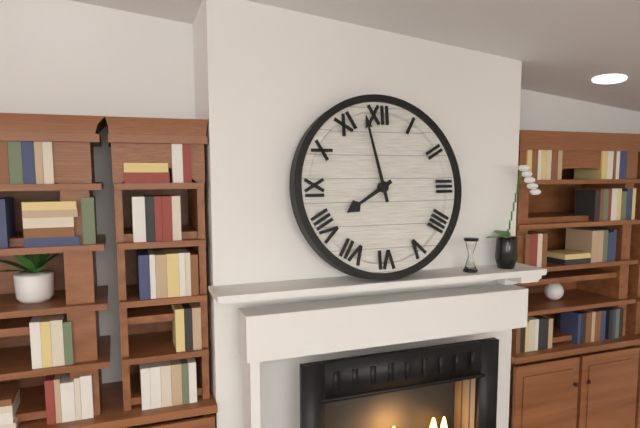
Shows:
7,58
